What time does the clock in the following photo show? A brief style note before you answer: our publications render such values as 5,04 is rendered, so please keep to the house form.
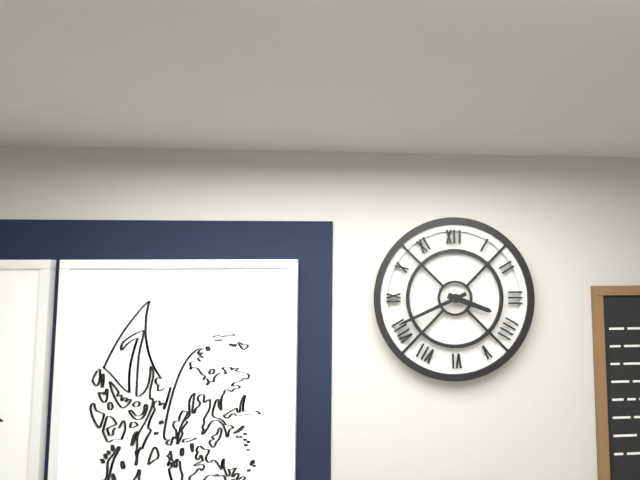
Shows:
3,41
